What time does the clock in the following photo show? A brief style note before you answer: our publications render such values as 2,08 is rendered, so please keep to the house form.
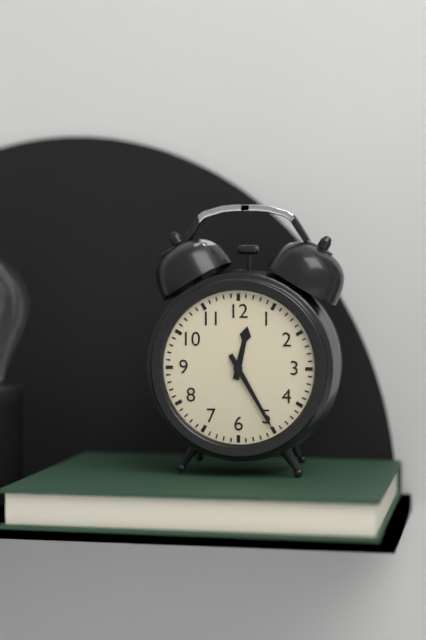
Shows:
12,25
